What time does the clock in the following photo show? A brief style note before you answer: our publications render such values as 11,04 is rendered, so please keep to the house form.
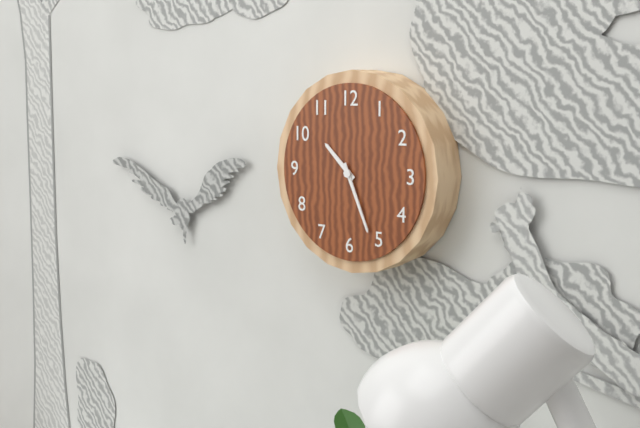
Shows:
10,26
